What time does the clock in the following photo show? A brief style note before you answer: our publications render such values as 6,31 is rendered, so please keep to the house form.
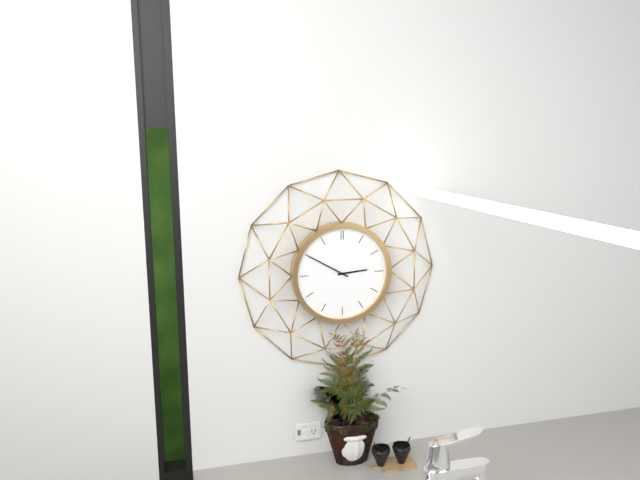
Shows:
2,50
